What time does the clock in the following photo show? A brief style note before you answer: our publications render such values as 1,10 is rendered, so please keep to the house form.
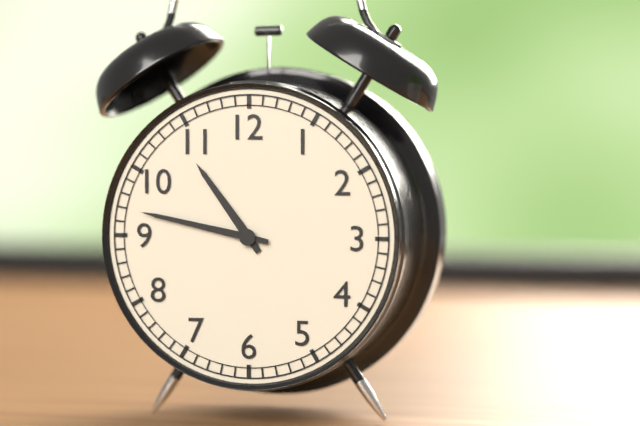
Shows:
10,47
